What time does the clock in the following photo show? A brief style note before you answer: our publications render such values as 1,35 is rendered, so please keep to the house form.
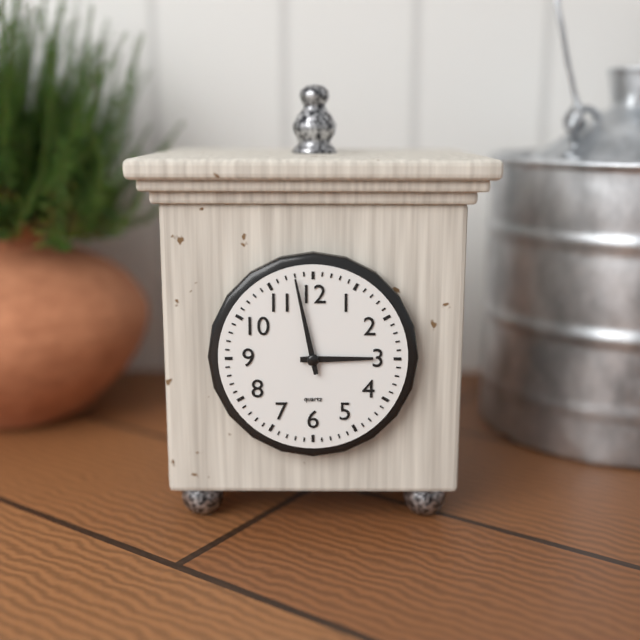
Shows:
2,58
